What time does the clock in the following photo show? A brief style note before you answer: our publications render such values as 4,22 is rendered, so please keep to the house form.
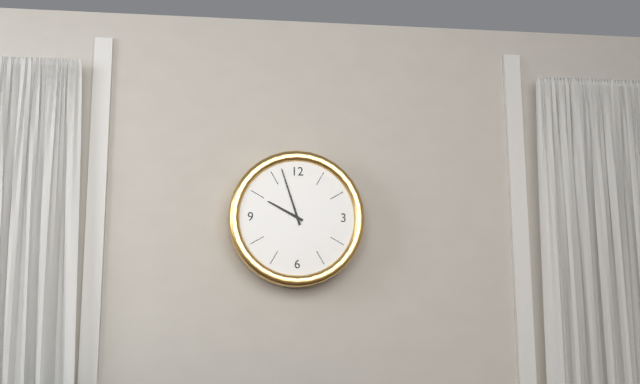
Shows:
9,57
